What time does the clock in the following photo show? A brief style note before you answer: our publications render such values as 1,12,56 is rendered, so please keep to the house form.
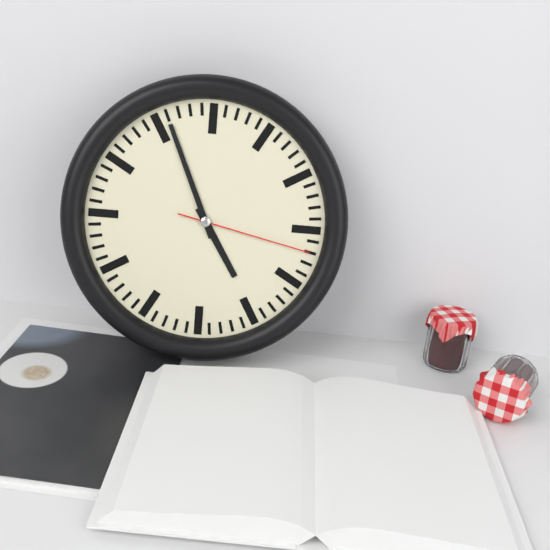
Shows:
4,56,17
